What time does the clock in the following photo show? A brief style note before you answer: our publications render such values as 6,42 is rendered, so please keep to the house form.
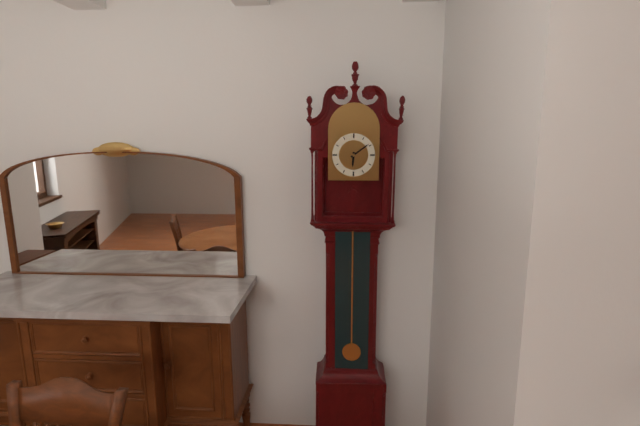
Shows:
6,09
